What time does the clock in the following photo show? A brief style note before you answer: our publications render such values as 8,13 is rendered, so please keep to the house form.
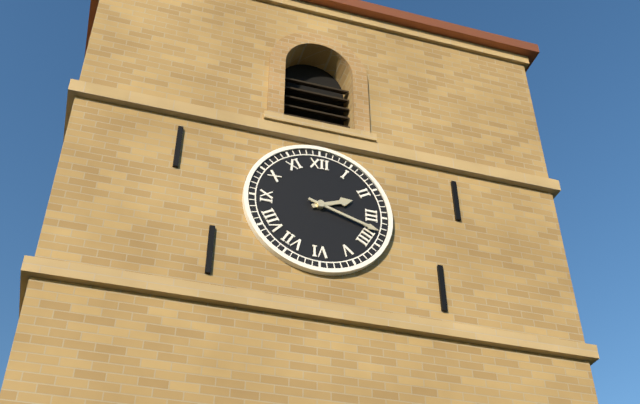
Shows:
2,18
